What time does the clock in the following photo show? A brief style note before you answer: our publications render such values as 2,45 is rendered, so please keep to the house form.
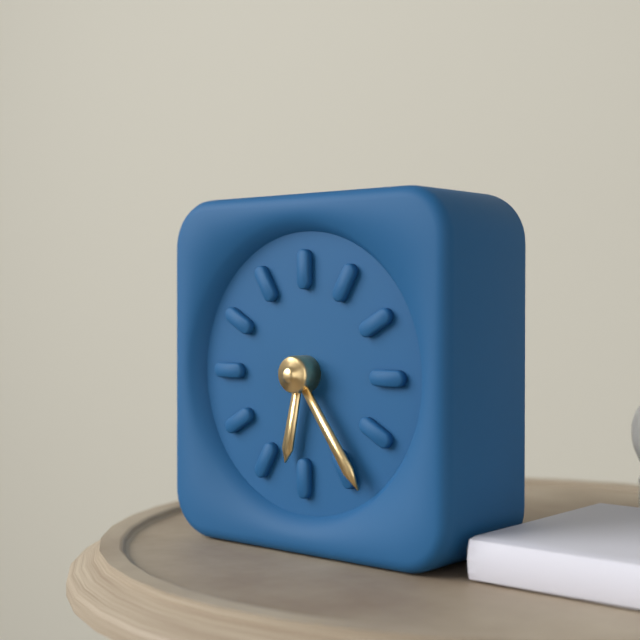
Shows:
6,24
